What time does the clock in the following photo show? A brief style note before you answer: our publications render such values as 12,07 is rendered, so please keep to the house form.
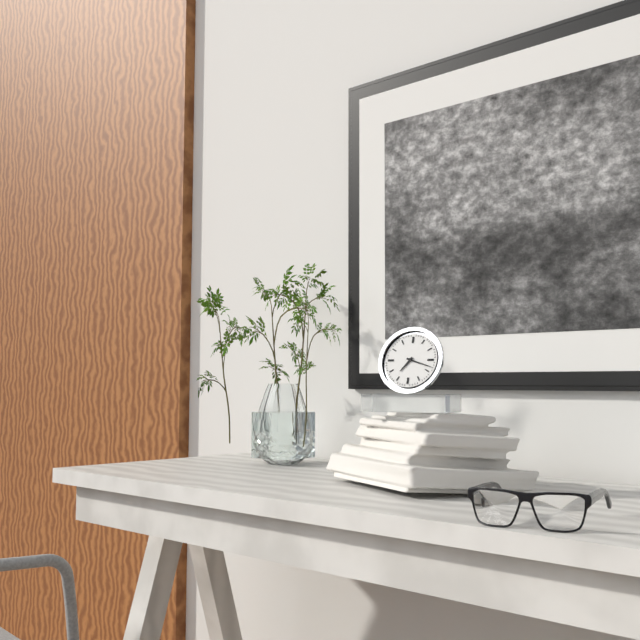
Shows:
7,18
